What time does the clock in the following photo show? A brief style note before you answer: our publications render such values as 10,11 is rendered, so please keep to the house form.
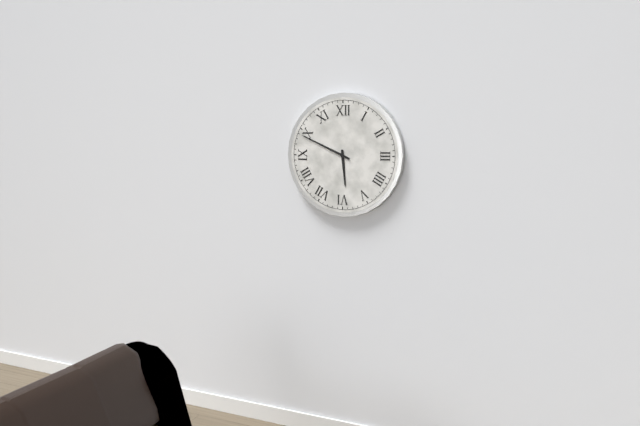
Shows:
5,49
